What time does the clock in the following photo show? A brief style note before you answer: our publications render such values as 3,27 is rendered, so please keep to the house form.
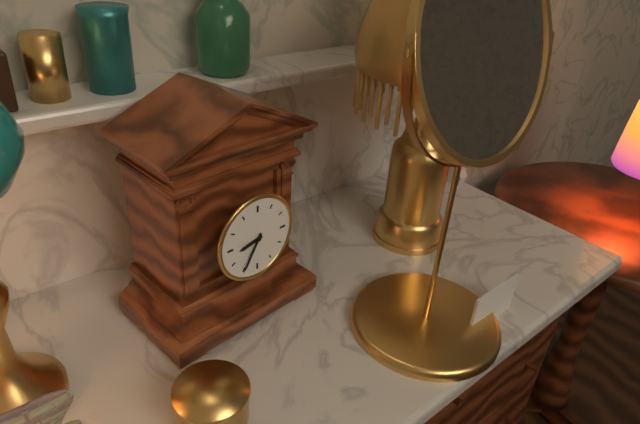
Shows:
8,35
